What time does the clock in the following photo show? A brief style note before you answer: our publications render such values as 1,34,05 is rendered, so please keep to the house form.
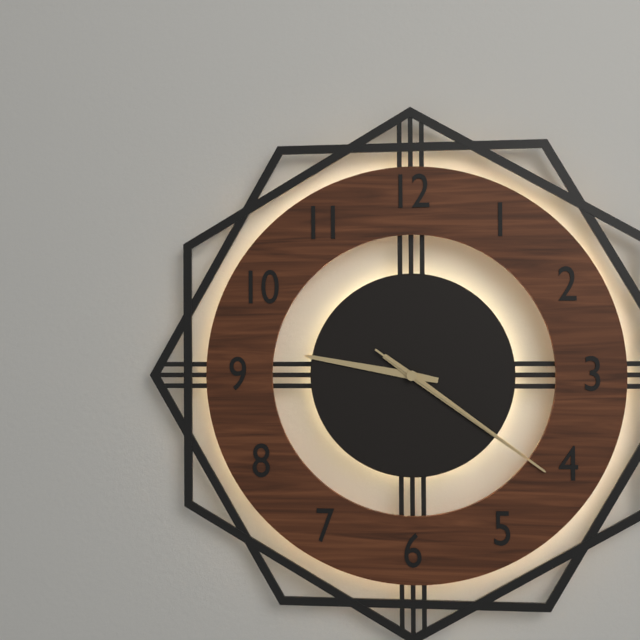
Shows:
9,21,21
